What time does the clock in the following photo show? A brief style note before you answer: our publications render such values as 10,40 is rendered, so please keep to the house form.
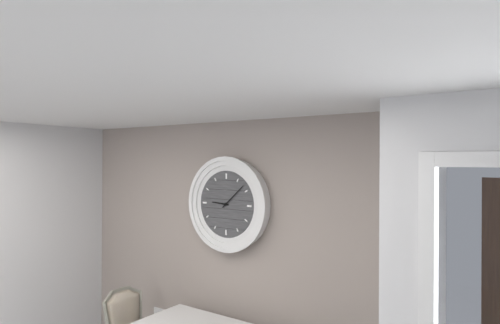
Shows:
9,08
